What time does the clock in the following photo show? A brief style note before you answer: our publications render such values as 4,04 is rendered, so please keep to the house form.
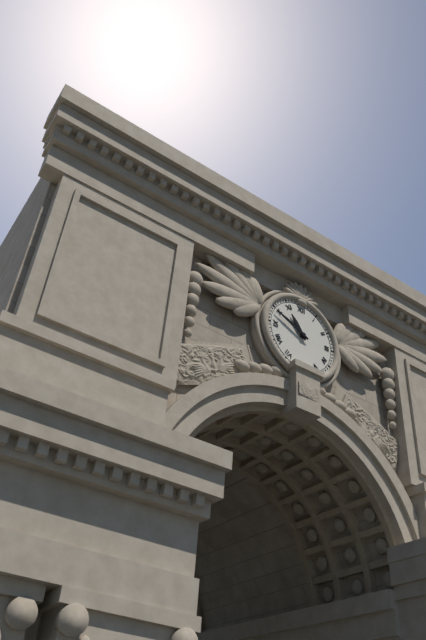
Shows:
10,49
